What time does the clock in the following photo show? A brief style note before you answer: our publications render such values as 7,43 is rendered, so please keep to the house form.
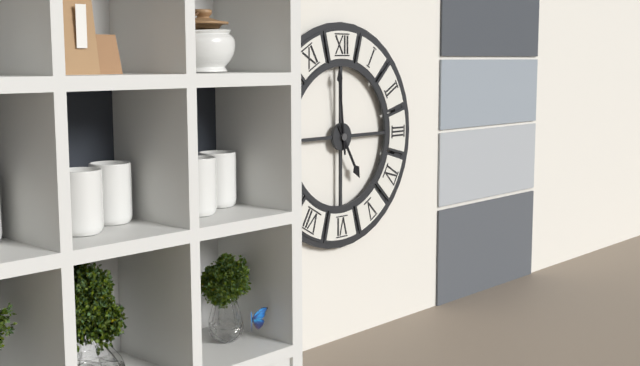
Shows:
4,59
